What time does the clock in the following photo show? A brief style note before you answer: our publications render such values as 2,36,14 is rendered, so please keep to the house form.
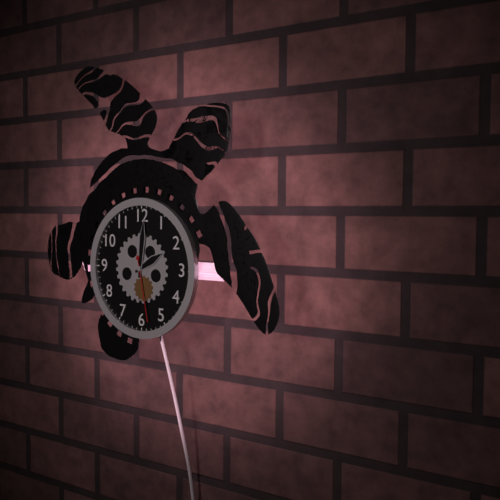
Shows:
2,01,28
